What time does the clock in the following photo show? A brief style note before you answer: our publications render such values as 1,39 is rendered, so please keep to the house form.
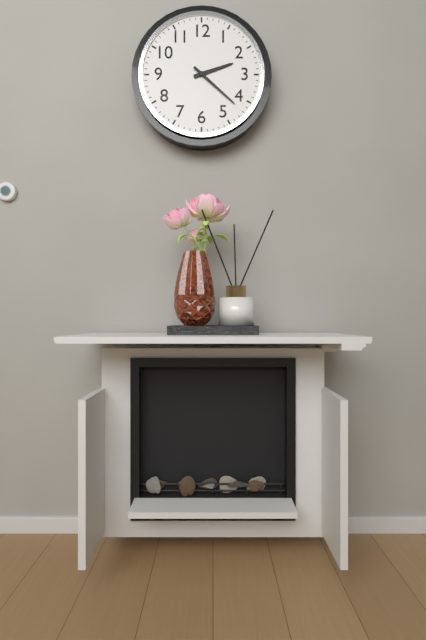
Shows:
2,22
